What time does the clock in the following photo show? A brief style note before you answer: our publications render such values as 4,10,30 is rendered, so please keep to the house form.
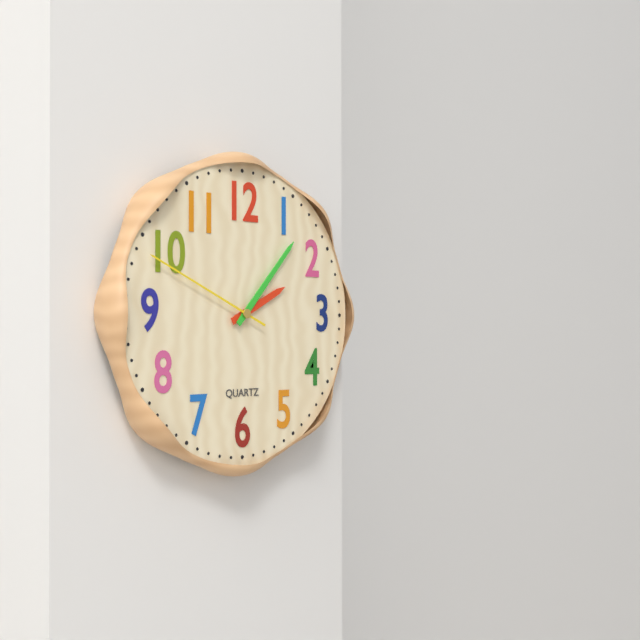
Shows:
2,07,49
